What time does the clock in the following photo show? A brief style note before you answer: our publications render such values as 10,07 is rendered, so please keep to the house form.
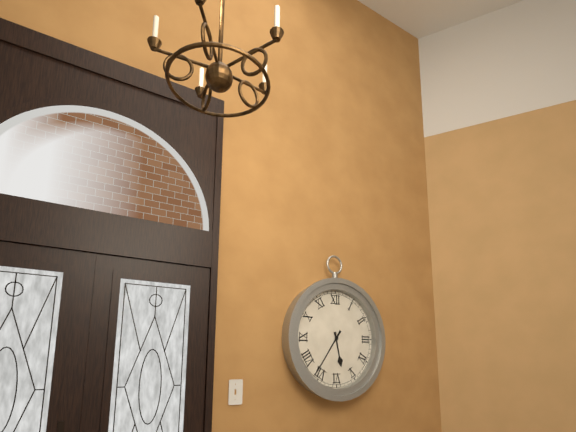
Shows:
5,36
